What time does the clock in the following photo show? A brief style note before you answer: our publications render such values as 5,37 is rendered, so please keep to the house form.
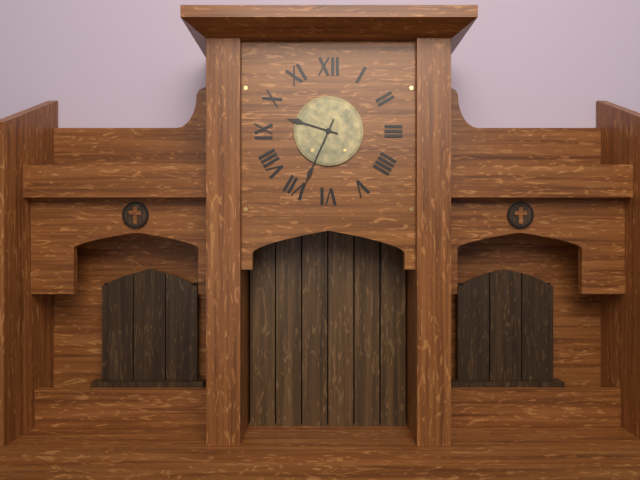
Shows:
9,34
